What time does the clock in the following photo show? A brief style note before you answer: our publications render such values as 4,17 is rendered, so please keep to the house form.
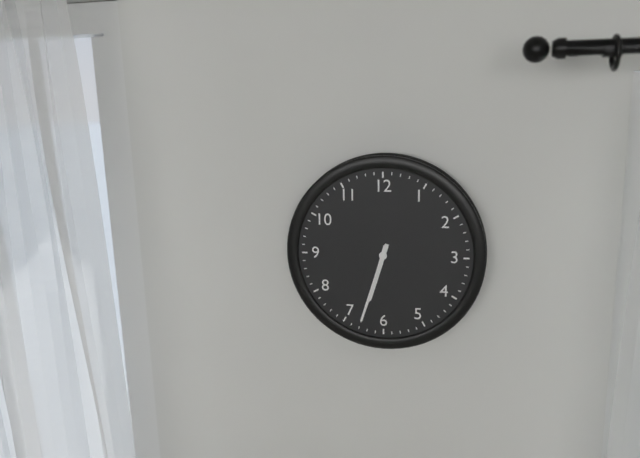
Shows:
6,33
